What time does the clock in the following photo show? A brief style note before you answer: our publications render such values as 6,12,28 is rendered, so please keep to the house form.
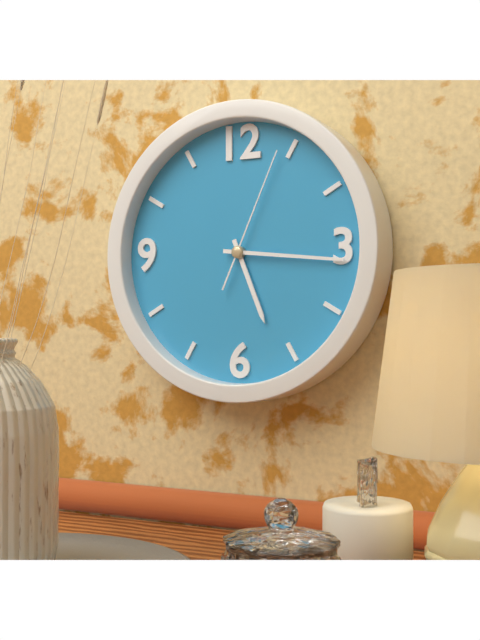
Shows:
5,16,04
